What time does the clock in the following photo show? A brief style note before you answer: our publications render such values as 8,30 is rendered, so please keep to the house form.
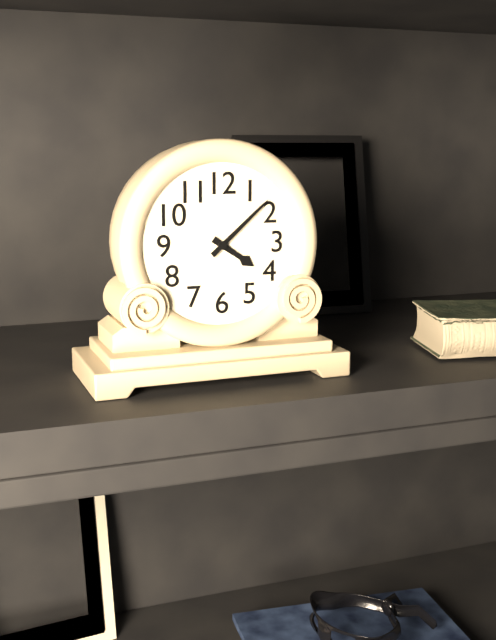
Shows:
4,08
